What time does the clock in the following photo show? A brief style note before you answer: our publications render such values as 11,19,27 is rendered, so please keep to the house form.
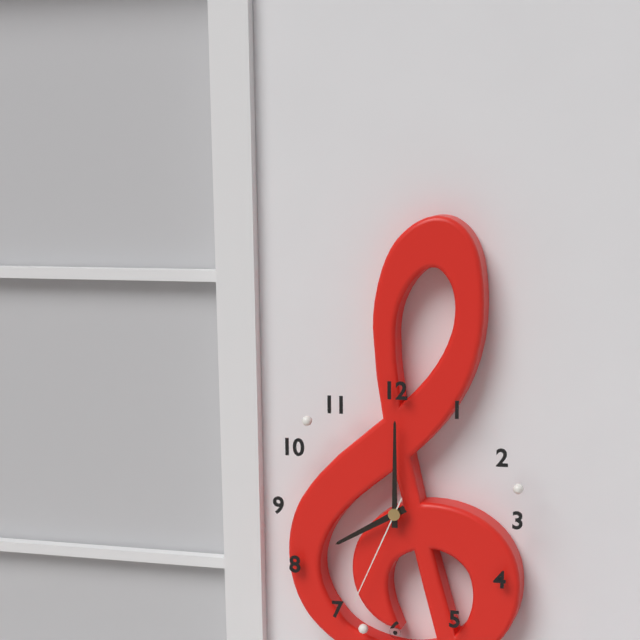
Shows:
8,00,34
